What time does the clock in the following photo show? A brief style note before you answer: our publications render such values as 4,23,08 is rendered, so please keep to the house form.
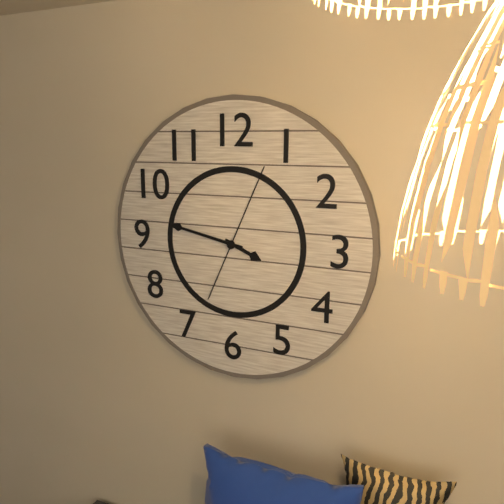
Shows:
3,47,04
